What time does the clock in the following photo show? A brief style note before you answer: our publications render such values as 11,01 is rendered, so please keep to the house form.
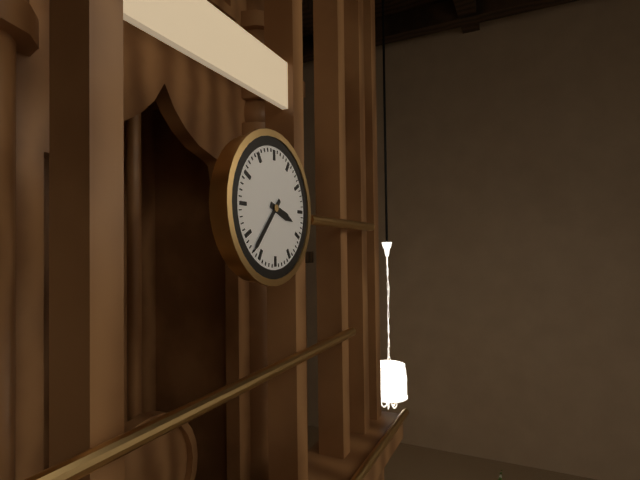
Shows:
3,37
